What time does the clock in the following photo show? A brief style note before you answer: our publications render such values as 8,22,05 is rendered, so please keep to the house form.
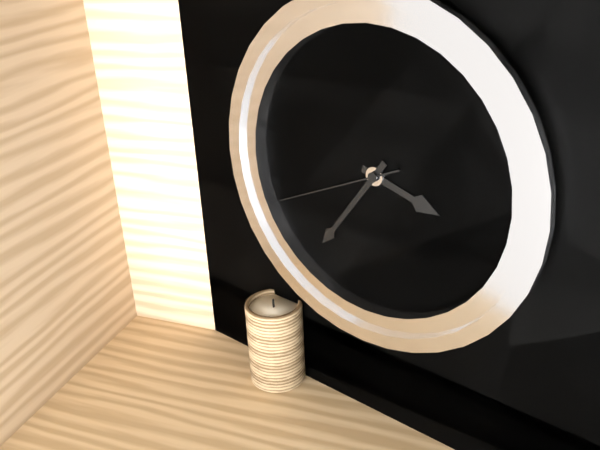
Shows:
3,36,41
